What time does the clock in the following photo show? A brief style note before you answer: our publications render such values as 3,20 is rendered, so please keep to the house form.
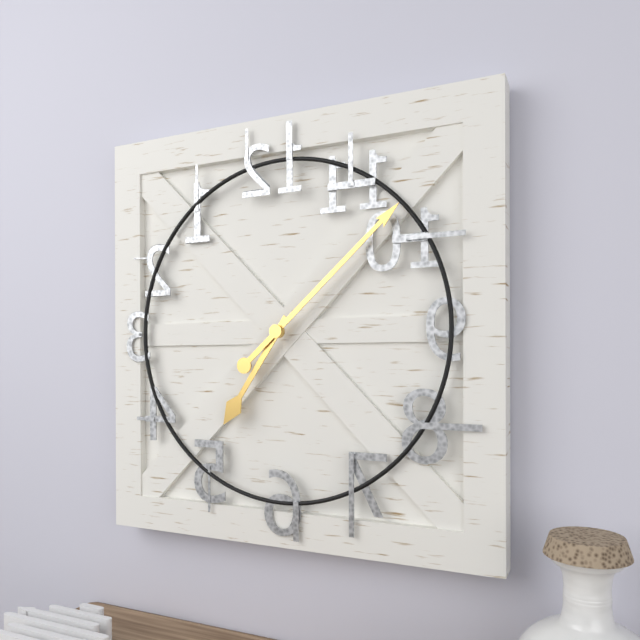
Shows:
7,08
